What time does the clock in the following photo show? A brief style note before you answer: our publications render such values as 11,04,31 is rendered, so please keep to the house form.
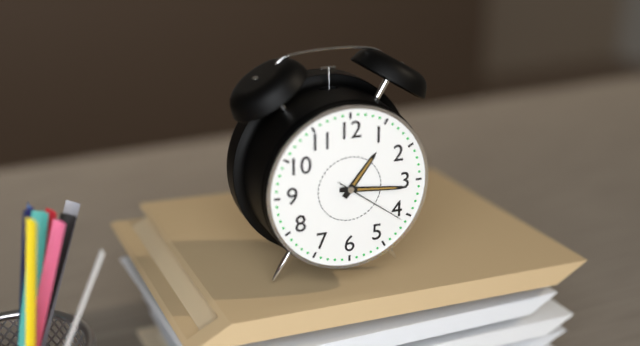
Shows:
1,16,21
